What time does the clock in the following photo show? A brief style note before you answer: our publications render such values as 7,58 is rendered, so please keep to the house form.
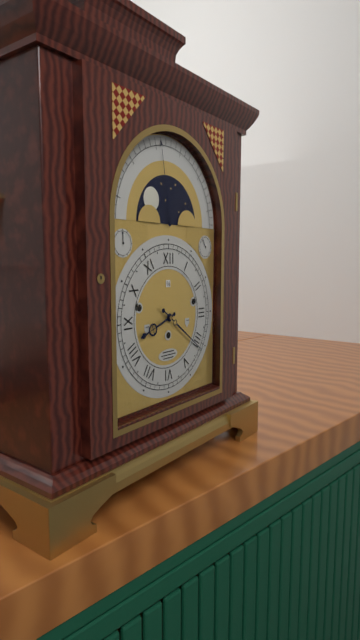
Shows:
8,21
